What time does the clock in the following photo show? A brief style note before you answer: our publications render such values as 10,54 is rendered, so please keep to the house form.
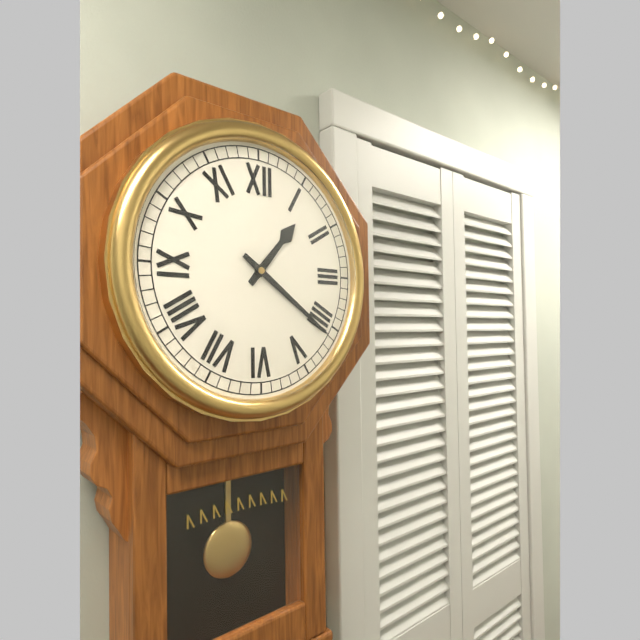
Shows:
1,21
